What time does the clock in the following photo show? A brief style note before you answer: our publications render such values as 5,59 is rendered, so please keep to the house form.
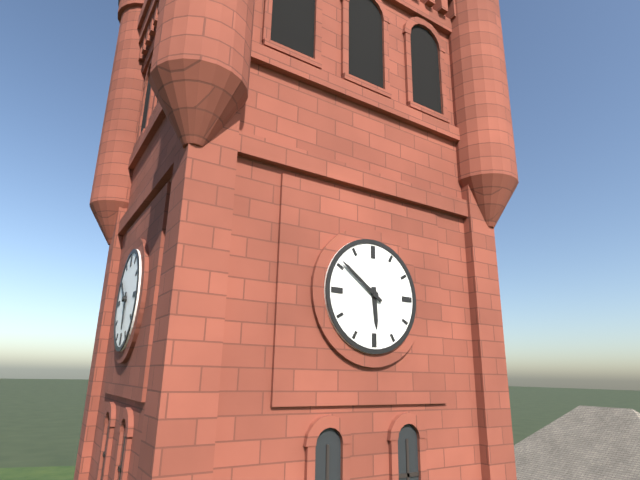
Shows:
5,51
